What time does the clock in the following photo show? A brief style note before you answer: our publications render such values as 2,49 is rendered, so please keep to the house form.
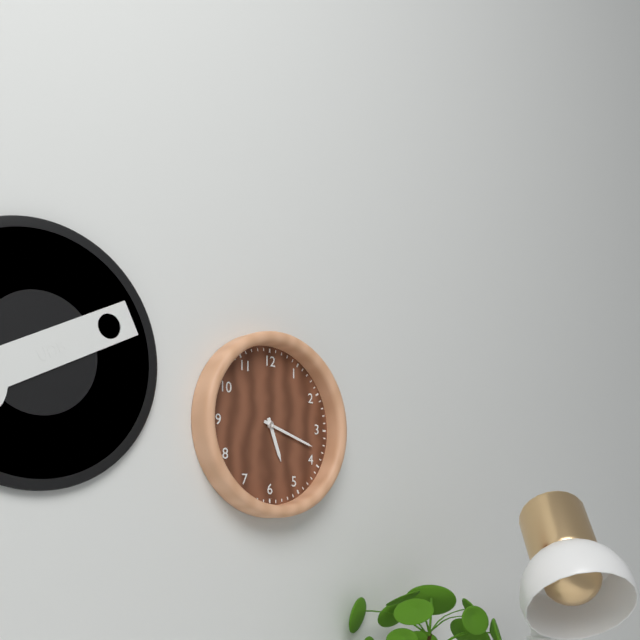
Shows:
5,18
